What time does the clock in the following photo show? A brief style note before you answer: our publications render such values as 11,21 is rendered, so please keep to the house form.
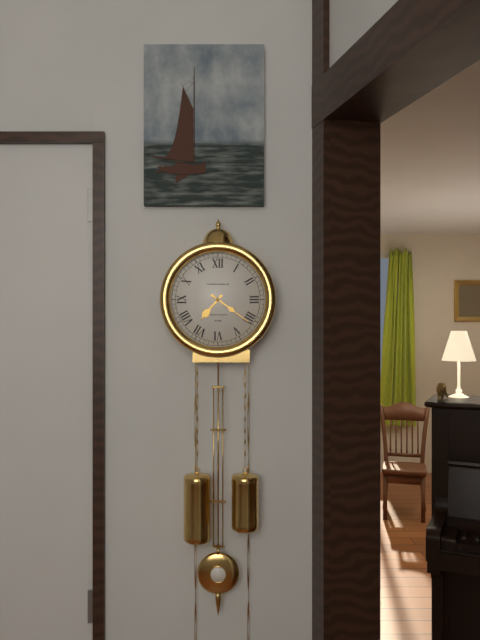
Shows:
7,21
